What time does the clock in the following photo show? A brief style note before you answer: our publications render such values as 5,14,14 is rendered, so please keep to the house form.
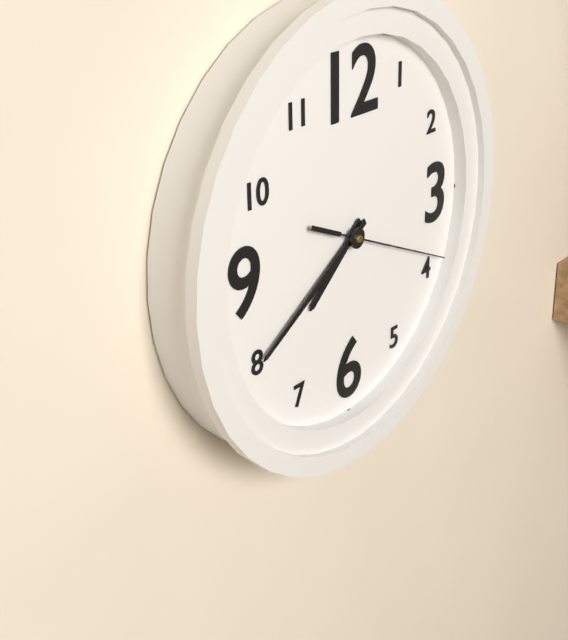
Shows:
7,40,19
